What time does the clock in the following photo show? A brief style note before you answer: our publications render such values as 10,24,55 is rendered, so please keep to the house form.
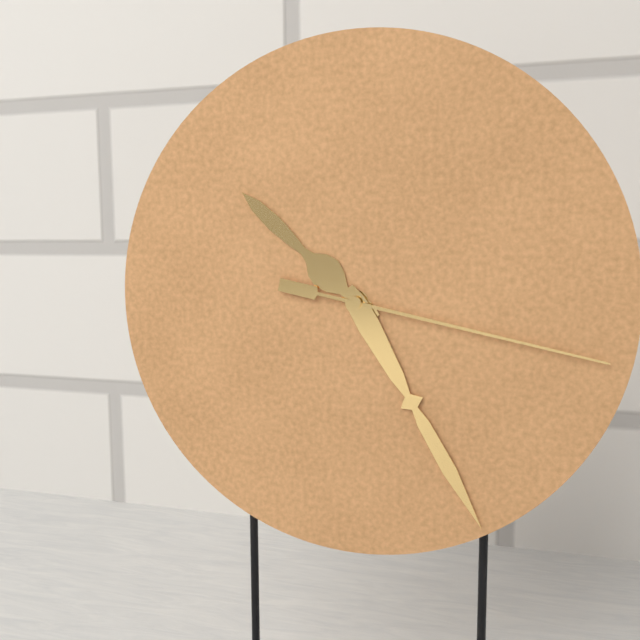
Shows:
10,25,17
